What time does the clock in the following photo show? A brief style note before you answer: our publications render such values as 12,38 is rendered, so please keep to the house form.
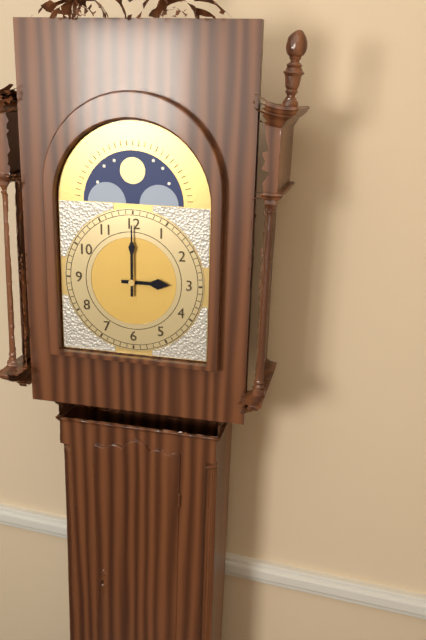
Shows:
3,00
